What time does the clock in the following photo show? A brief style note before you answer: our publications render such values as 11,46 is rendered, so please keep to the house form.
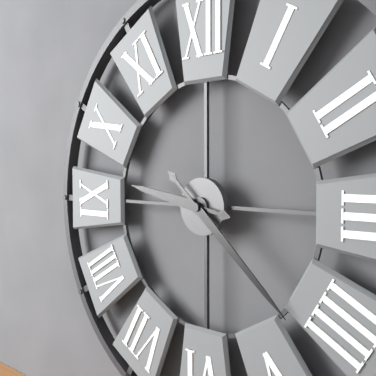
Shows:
9,22
